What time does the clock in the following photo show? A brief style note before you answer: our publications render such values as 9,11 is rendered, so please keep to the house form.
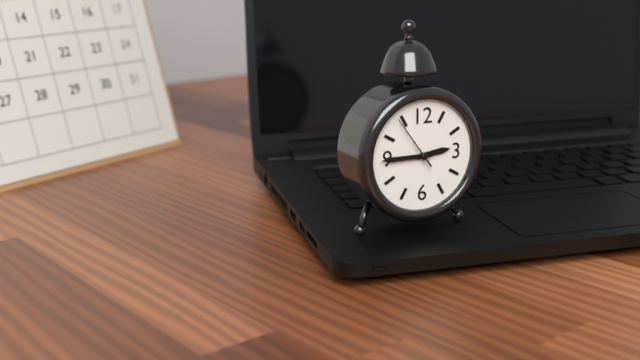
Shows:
2,45
